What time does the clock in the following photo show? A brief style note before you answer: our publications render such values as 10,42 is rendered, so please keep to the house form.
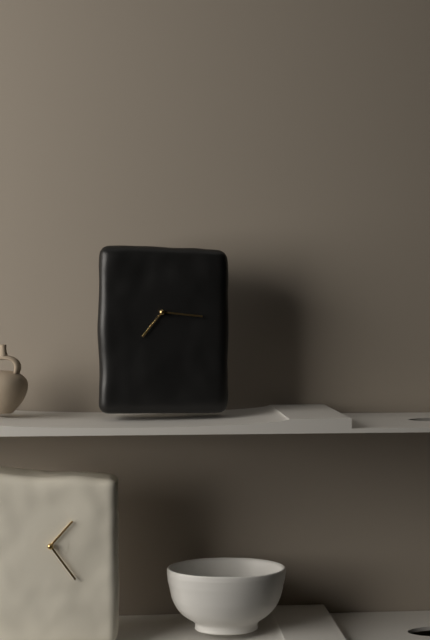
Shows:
7,16
